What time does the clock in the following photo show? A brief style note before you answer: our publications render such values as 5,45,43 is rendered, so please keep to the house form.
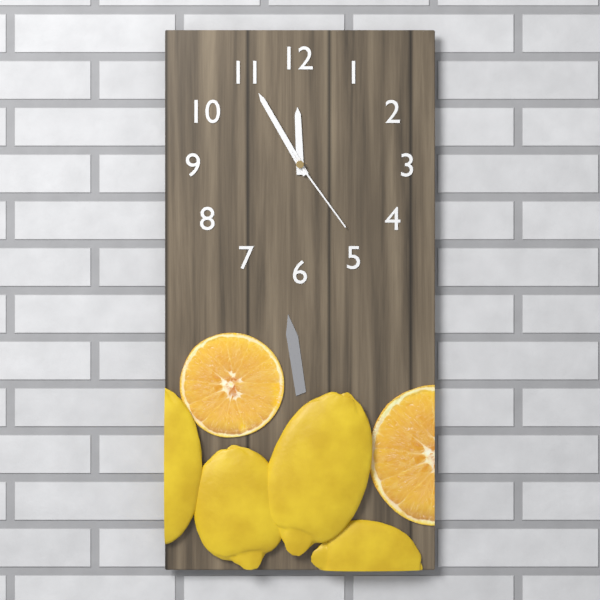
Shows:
11,55,24
